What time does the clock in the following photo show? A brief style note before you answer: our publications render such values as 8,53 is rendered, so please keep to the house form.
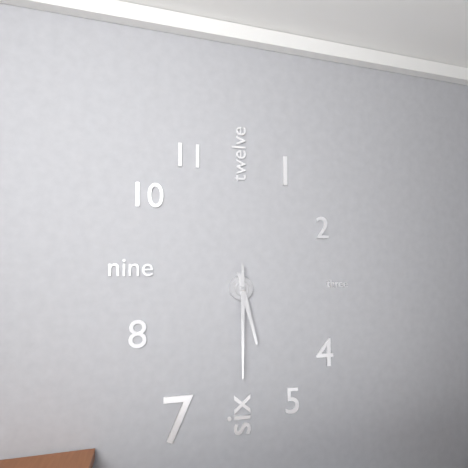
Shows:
5,30
